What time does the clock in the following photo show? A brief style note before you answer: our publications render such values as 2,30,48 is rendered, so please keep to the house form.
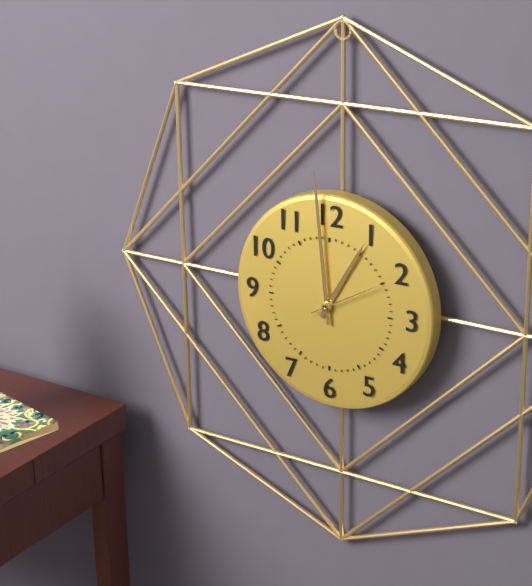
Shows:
12,59,10
